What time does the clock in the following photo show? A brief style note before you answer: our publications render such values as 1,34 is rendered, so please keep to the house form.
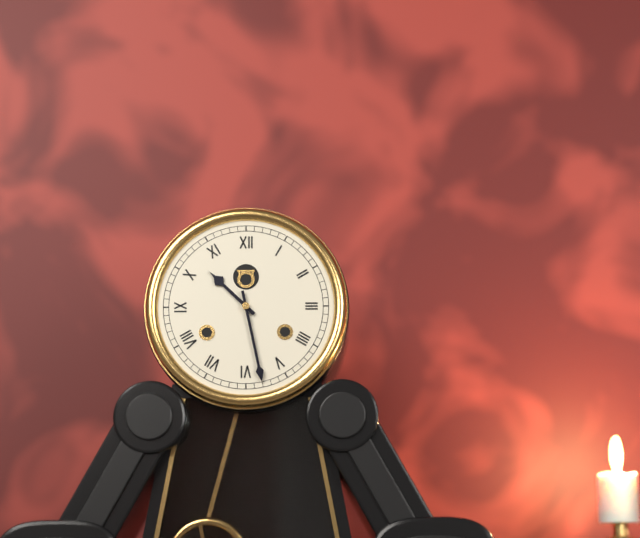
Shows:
10,28
